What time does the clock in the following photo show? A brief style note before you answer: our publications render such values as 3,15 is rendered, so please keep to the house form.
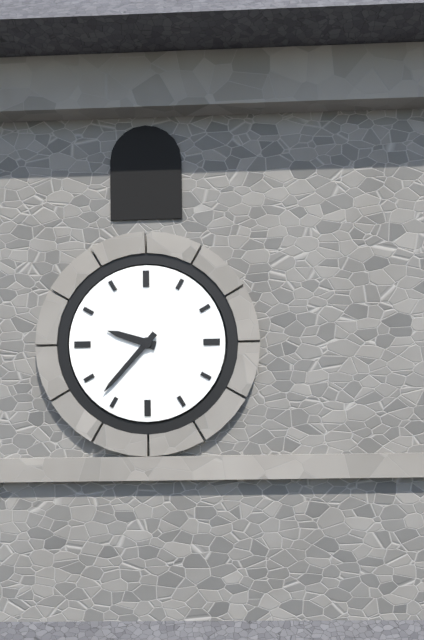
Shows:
9,37
